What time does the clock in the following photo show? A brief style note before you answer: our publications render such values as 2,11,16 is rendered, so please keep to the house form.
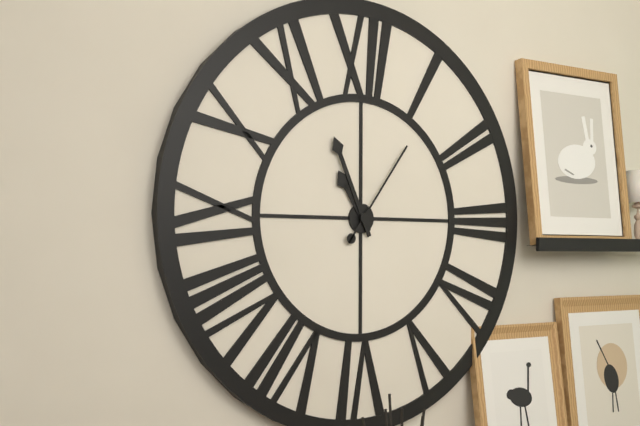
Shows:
10,56,06
